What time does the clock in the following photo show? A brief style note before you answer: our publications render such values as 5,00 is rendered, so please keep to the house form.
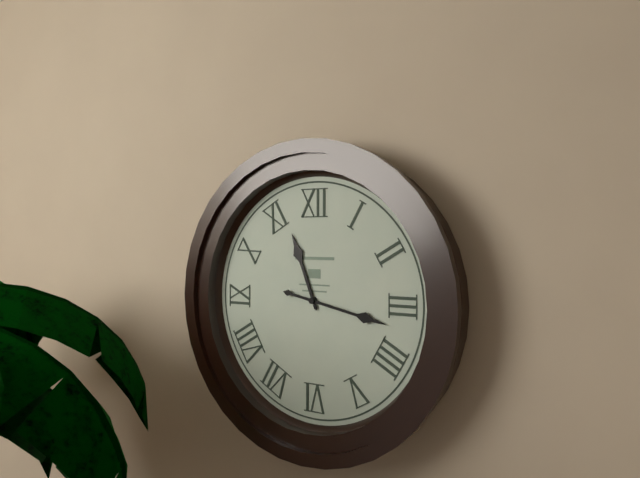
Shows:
11,17
